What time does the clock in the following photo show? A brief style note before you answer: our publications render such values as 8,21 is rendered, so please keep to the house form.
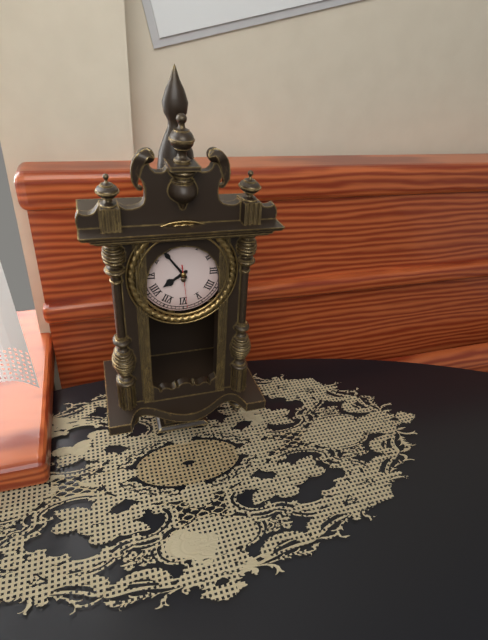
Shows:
7,54
